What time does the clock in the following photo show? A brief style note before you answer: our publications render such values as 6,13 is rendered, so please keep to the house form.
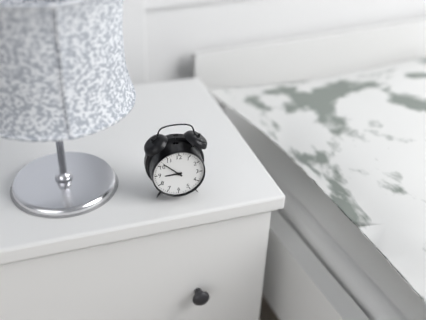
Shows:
8,52
